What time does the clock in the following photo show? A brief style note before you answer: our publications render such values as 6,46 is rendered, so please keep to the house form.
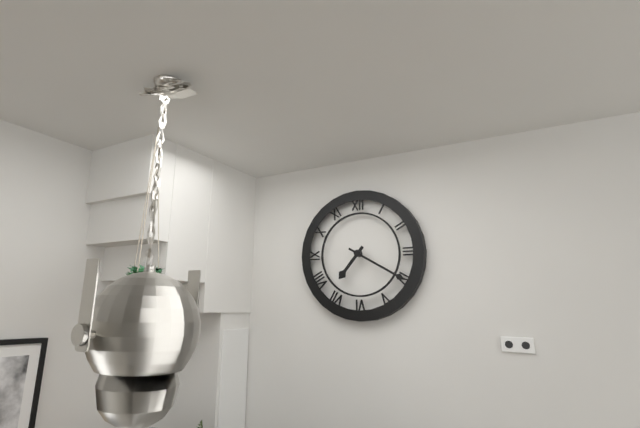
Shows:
7,20
